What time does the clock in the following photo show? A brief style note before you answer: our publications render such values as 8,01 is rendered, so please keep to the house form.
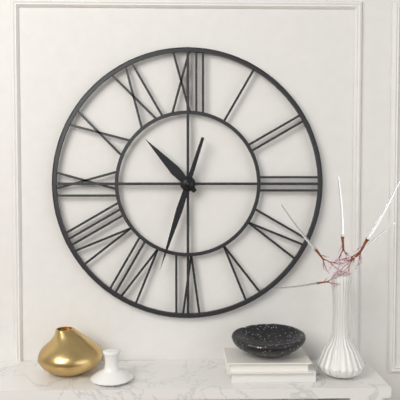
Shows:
10,33
